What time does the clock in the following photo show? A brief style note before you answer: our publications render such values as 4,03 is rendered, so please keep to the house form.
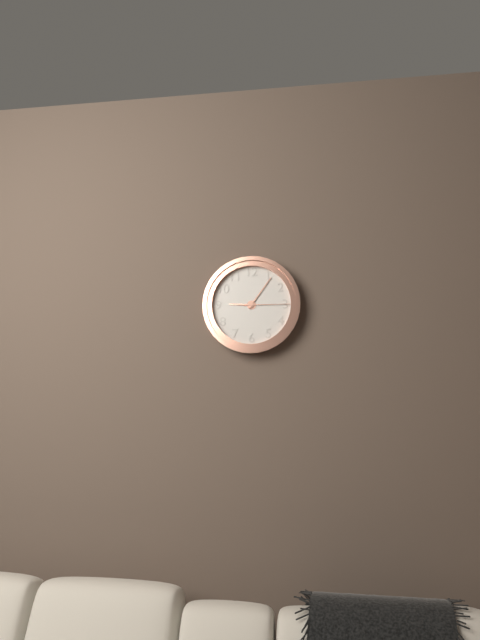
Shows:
9,06
